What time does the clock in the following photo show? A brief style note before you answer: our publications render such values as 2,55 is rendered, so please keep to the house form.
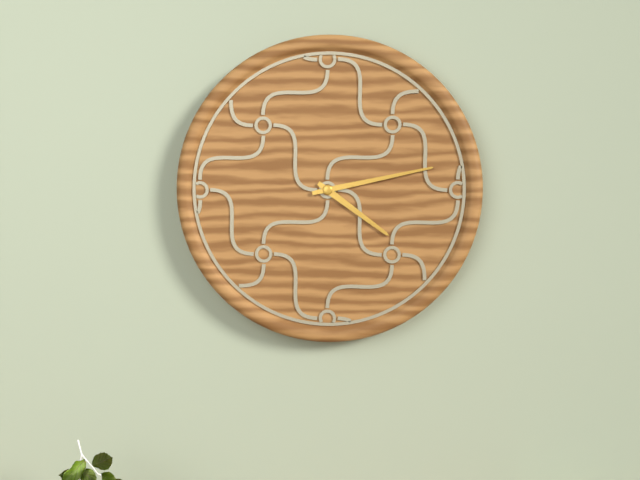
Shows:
4,13
